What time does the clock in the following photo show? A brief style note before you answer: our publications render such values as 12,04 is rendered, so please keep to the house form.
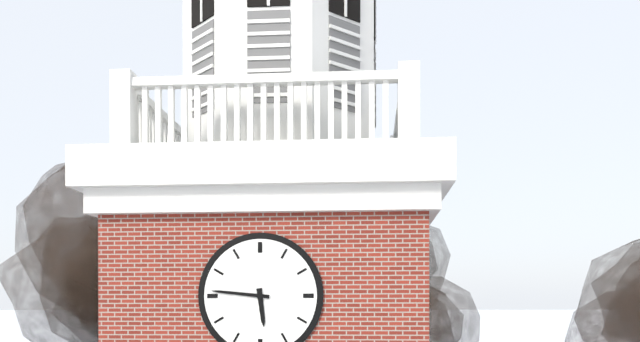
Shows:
5,46
